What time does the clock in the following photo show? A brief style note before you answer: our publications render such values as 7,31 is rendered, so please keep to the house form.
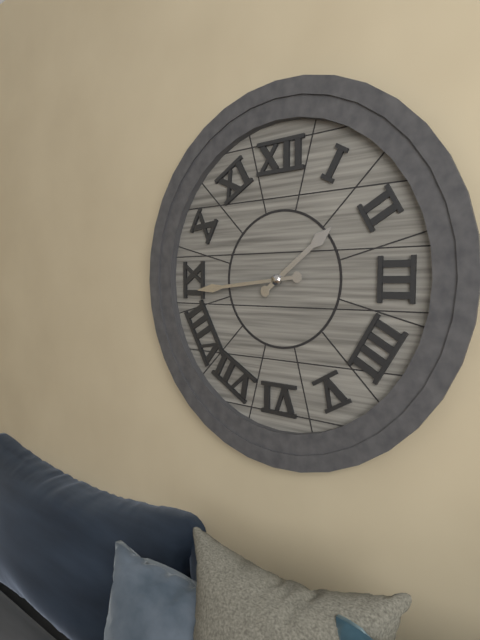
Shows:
1,44
